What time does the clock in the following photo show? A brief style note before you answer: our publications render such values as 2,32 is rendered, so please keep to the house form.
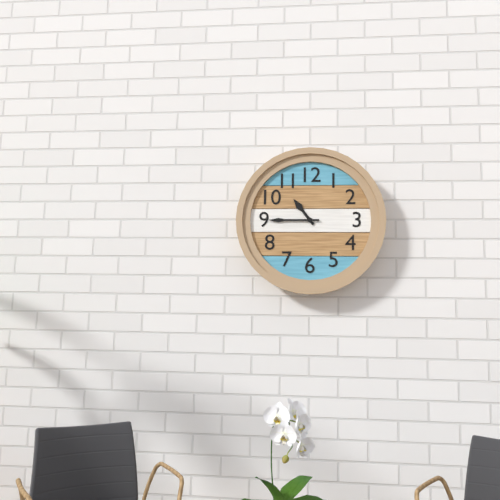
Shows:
10,45
